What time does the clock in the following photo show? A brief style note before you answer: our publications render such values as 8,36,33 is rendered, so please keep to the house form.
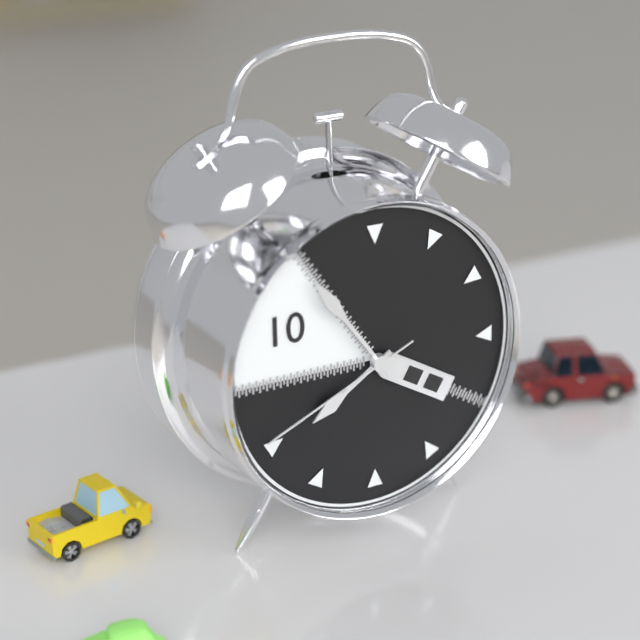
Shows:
7,54,41
